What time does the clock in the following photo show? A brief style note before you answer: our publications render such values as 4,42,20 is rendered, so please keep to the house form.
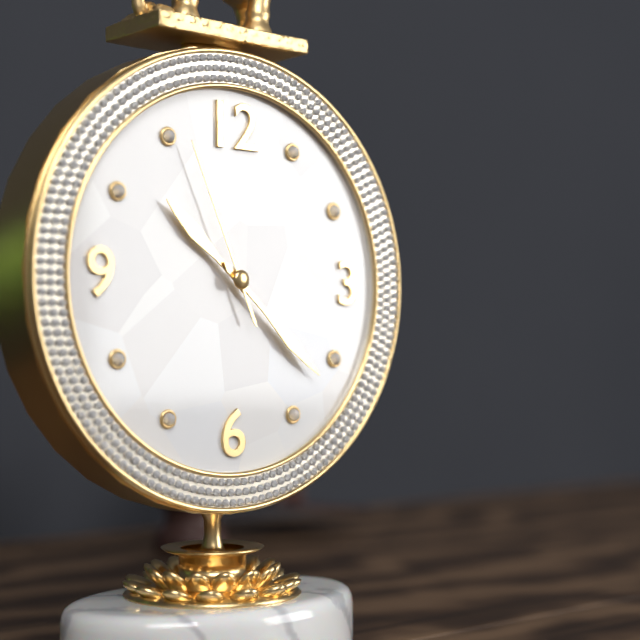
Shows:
10,22,56
